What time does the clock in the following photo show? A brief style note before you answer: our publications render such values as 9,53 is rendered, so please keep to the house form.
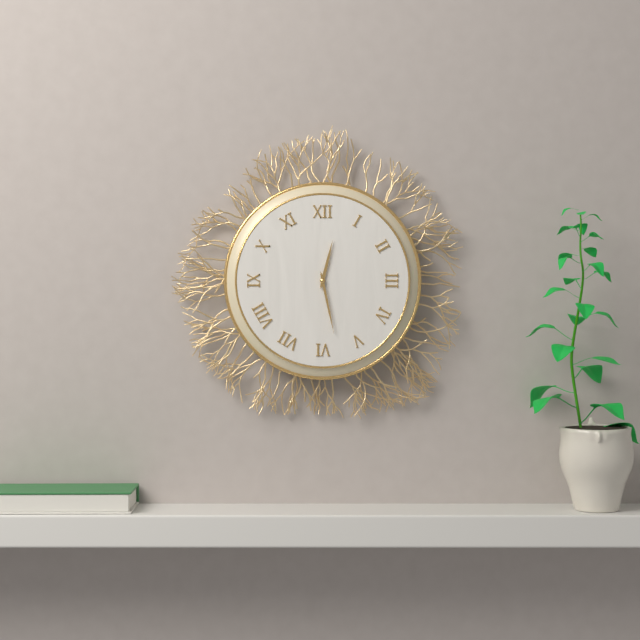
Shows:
12,28
